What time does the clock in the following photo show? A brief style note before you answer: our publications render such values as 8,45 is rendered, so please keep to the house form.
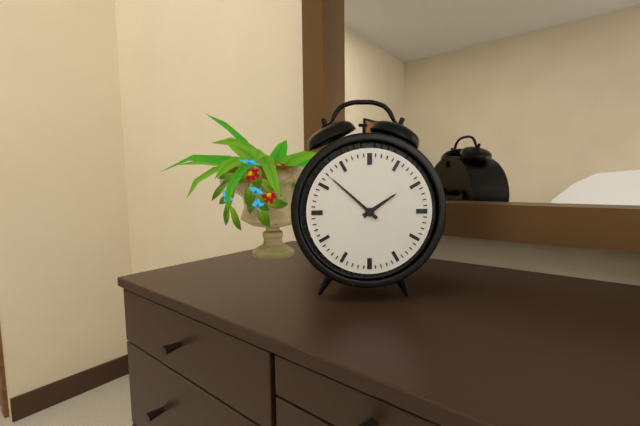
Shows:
1,52
